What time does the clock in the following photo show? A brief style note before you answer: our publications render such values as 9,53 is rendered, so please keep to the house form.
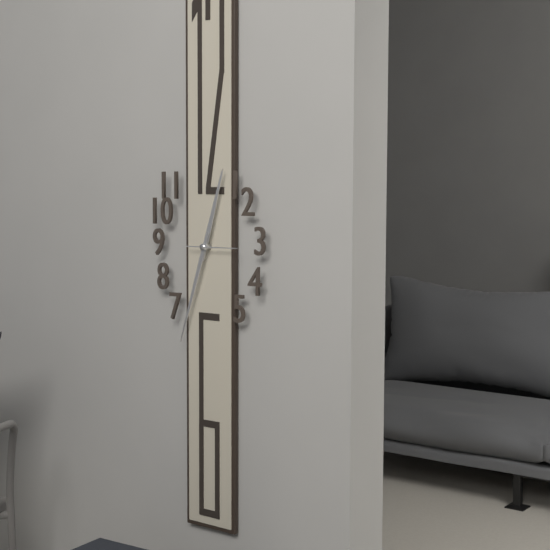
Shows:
12,33
